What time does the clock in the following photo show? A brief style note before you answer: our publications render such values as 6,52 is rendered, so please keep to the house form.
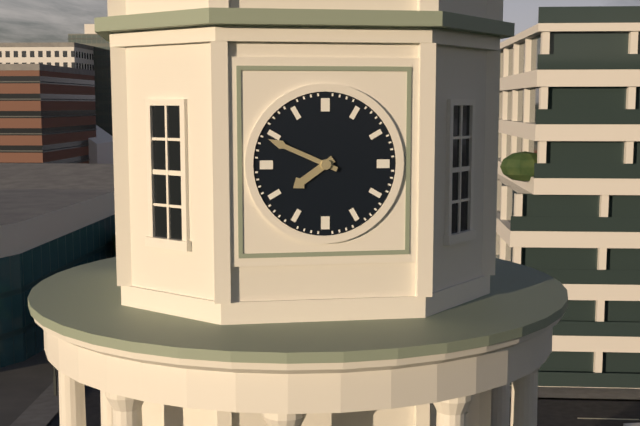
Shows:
7,49
